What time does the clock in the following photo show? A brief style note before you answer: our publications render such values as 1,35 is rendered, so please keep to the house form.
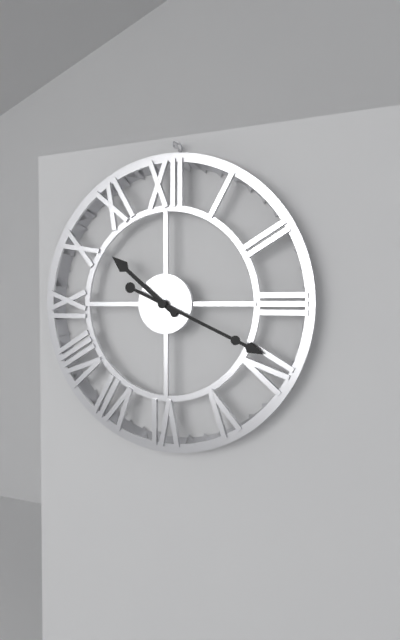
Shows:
10,19
